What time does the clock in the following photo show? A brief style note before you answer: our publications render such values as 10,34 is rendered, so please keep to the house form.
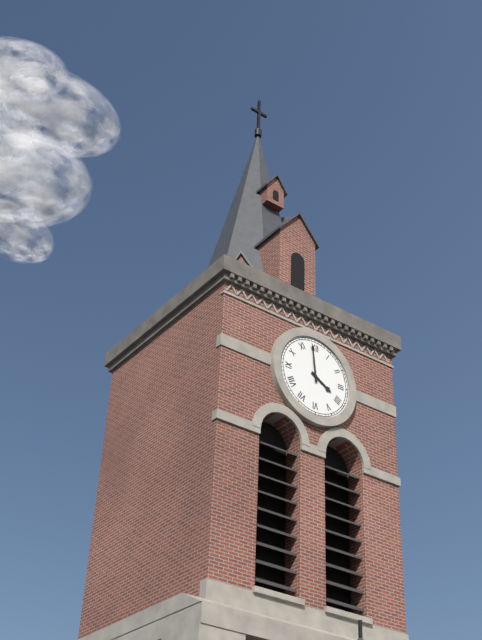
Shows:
3,59
